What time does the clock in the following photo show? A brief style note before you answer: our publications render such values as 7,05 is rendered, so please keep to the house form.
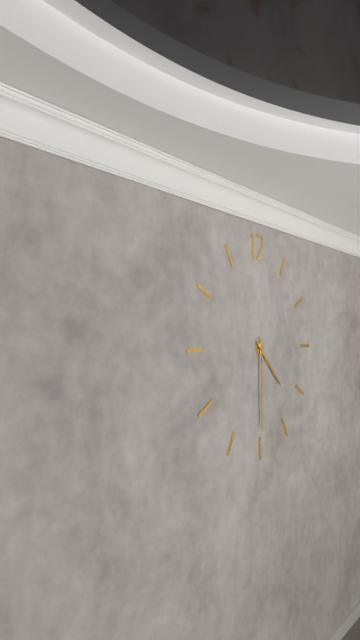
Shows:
4,30
